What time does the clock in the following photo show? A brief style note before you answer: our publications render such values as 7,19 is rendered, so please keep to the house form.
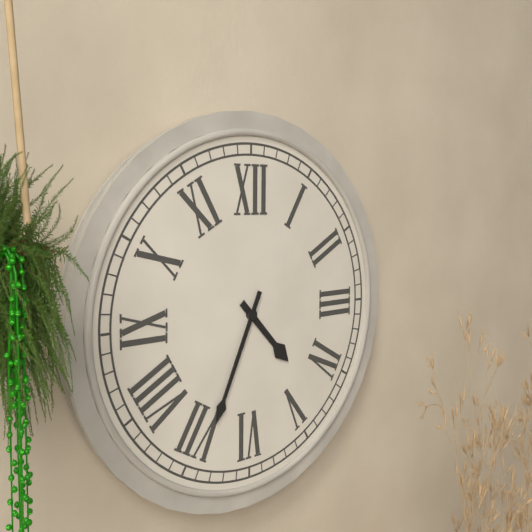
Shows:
4,34
